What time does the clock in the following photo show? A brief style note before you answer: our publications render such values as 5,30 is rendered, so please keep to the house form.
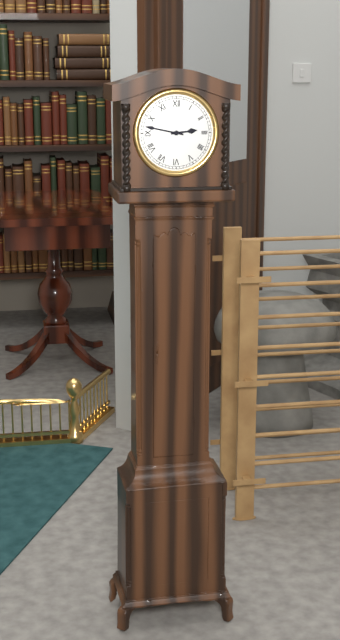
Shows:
2,47
